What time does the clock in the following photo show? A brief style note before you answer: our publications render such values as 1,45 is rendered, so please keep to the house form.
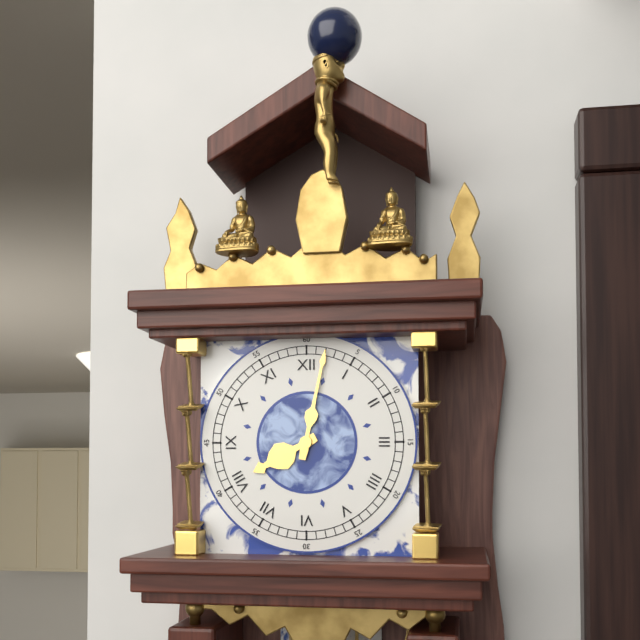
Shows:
8,02
